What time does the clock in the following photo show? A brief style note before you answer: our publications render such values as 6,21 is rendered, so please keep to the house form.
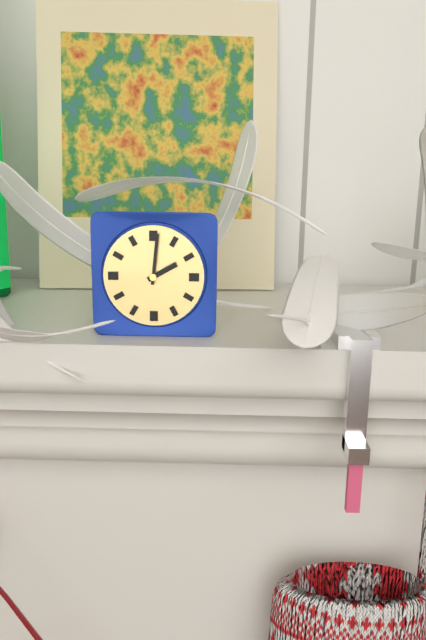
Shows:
2,01
